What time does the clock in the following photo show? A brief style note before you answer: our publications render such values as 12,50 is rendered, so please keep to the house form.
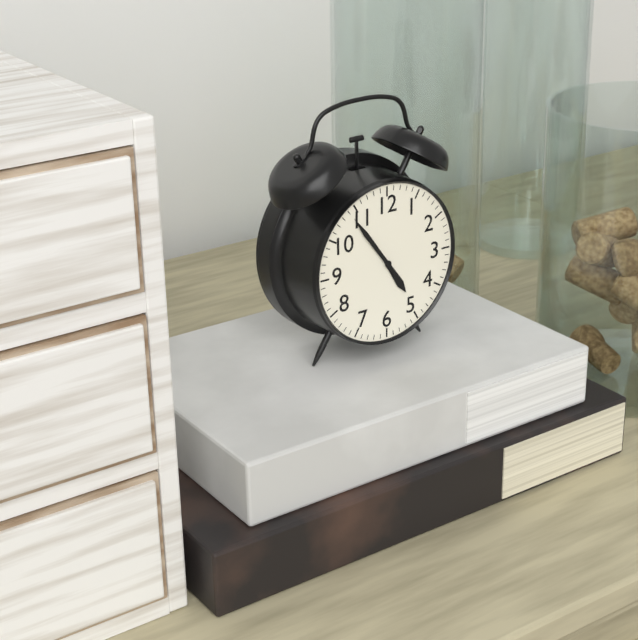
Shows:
4,54
